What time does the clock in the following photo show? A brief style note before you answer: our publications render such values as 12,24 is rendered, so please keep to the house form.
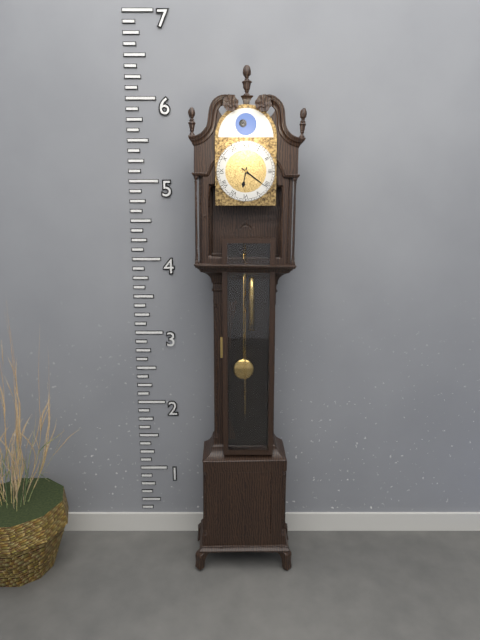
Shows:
6,21
